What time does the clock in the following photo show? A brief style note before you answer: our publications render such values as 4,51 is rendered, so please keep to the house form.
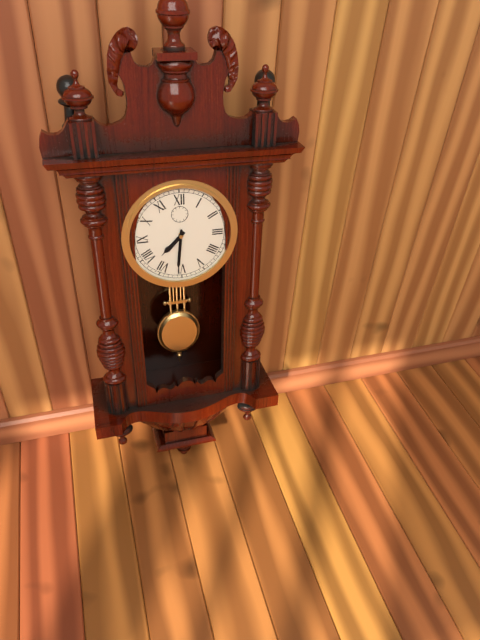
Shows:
7,31
